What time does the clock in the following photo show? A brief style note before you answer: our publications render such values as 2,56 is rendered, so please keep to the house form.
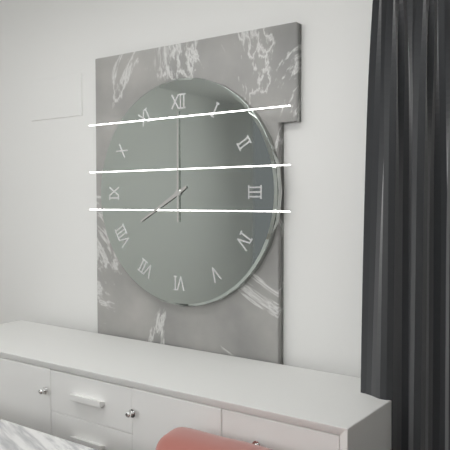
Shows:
8,00
